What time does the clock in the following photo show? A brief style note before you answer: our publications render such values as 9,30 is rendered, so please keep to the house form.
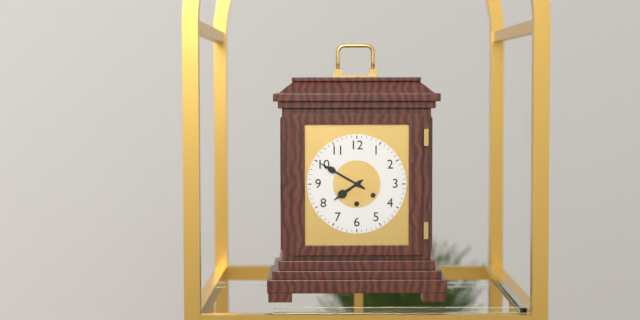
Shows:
7,50
